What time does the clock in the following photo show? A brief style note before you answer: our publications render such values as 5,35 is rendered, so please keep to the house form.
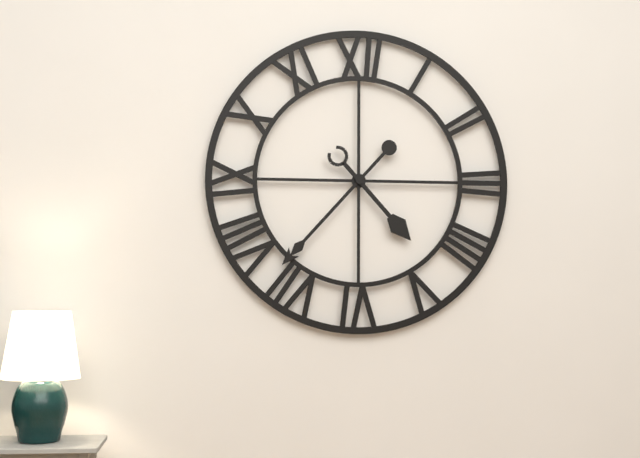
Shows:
4,37
